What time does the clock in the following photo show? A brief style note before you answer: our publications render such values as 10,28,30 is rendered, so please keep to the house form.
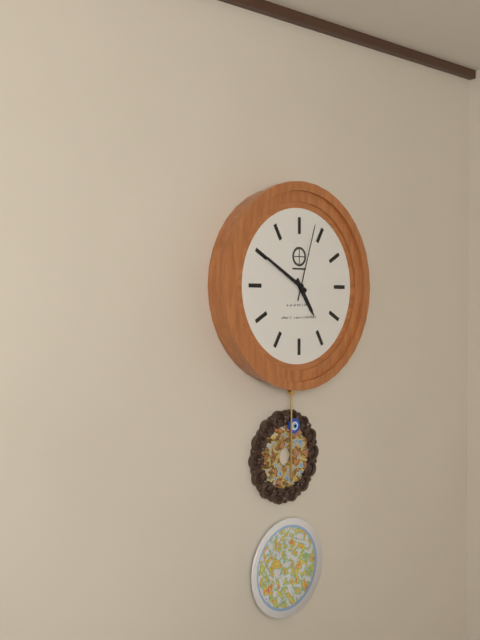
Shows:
4,50,03
